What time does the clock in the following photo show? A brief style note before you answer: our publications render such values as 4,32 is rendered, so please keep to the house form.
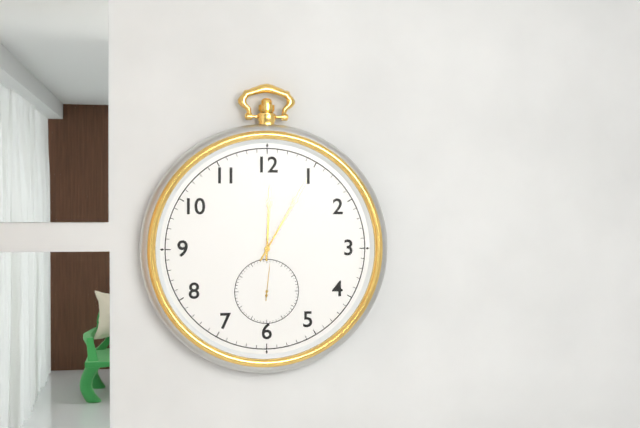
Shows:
12,05
